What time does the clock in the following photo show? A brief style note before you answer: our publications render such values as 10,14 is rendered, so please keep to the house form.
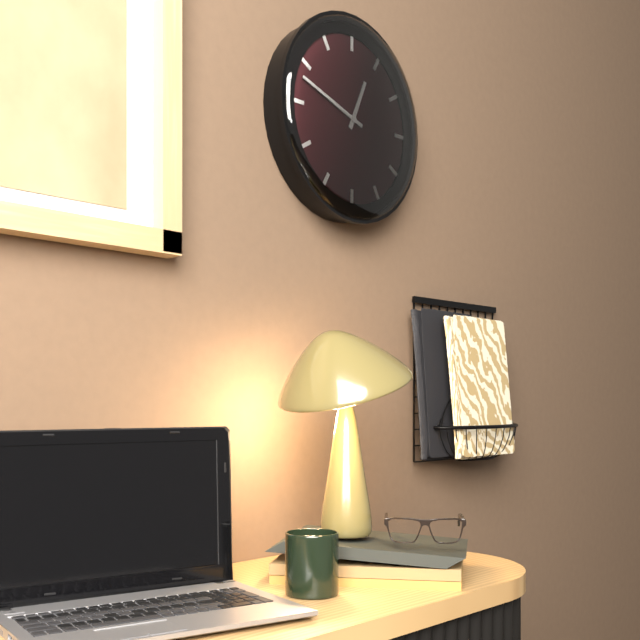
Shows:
12,48
